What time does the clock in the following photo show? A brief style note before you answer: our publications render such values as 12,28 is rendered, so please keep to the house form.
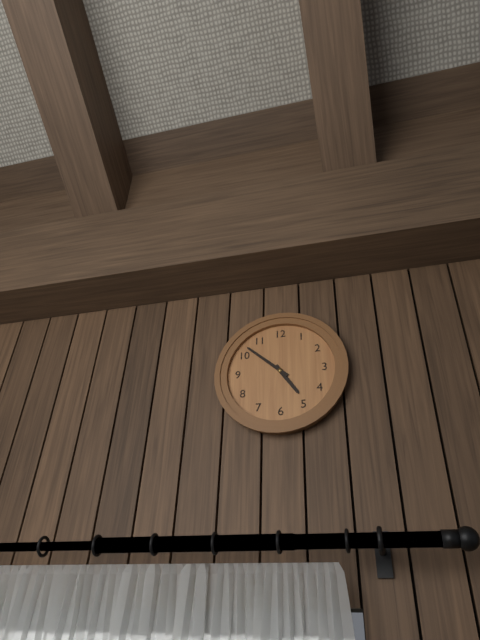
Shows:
4,52
